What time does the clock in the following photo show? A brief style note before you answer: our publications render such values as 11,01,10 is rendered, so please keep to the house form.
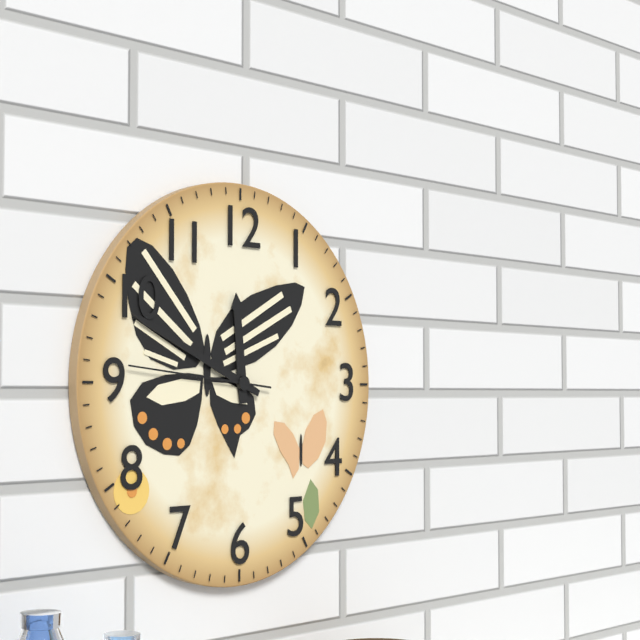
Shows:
11,49,46
